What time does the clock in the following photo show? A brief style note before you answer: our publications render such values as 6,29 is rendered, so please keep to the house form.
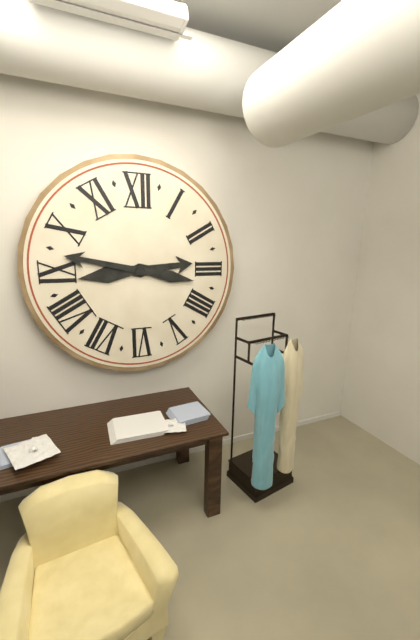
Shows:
2,47
